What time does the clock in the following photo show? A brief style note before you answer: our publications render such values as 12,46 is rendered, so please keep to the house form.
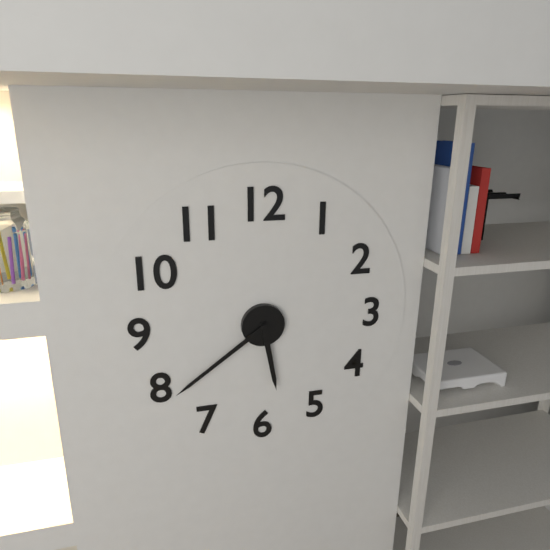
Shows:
5,39
